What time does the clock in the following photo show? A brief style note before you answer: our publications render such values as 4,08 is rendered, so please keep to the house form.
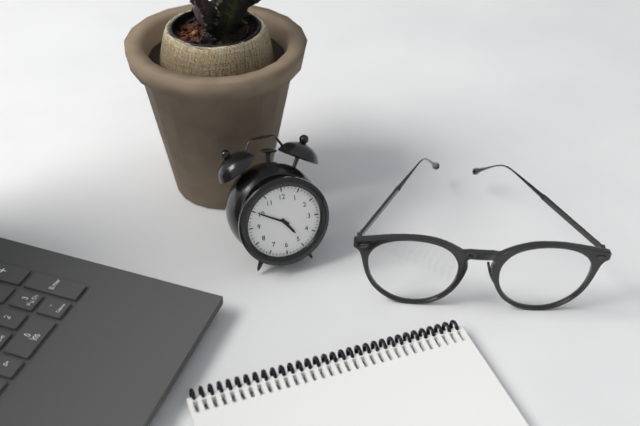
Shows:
4,50
